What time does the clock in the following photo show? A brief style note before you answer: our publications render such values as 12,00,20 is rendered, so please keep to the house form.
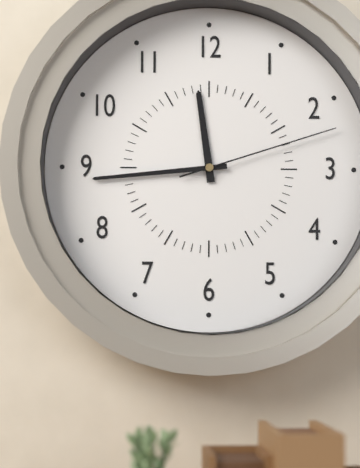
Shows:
11,44,12
